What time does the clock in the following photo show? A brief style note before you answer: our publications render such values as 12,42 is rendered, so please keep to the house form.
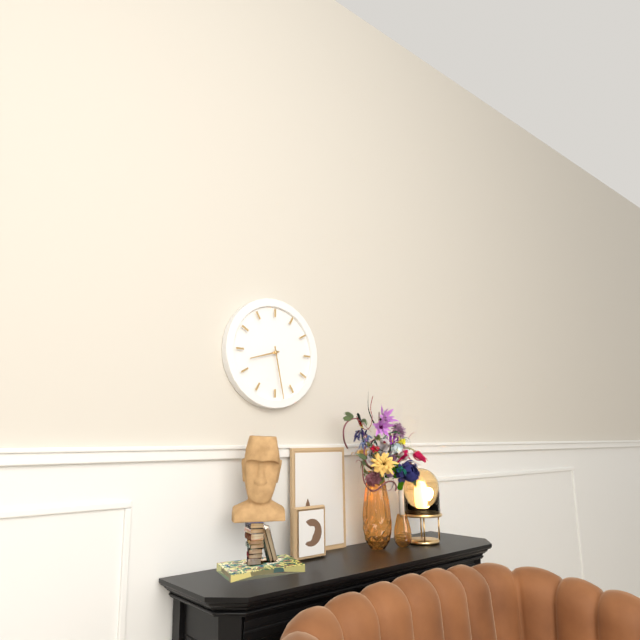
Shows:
8,28
